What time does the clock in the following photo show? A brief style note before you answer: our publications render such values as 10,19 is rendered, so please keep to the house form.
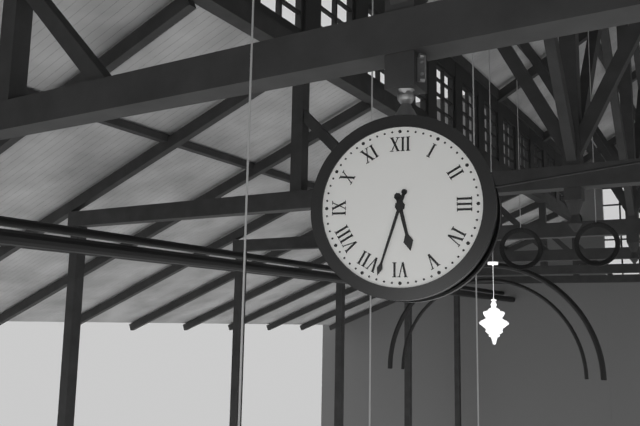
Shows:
5,33
